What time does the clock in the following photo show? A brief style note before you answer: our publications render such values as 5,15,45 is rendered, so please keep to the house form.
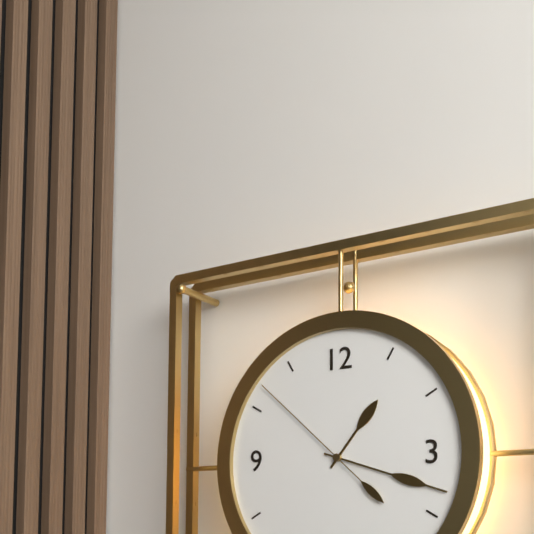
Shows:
1,18,52
